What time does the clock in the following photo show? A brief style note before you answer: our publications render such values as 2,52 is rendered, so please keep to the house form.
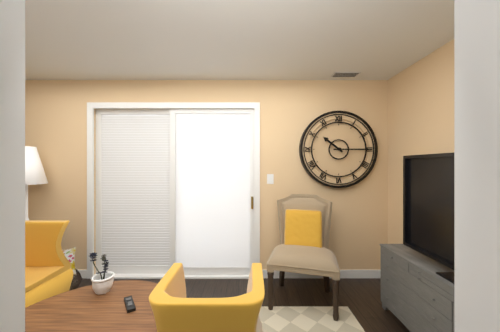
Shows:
10,15
